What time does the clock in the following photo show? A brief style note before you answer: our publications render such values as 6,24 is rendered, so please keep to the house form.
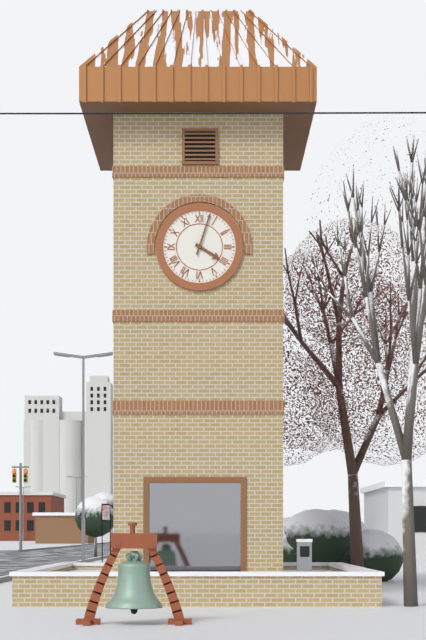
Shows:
4,03
